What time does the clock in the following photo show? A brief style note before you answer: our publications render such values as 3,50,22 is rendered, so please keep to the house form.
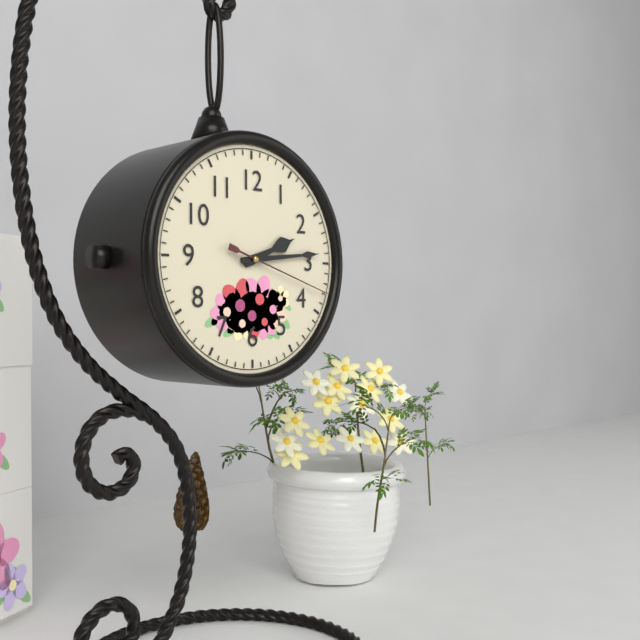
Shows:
2,14,18
